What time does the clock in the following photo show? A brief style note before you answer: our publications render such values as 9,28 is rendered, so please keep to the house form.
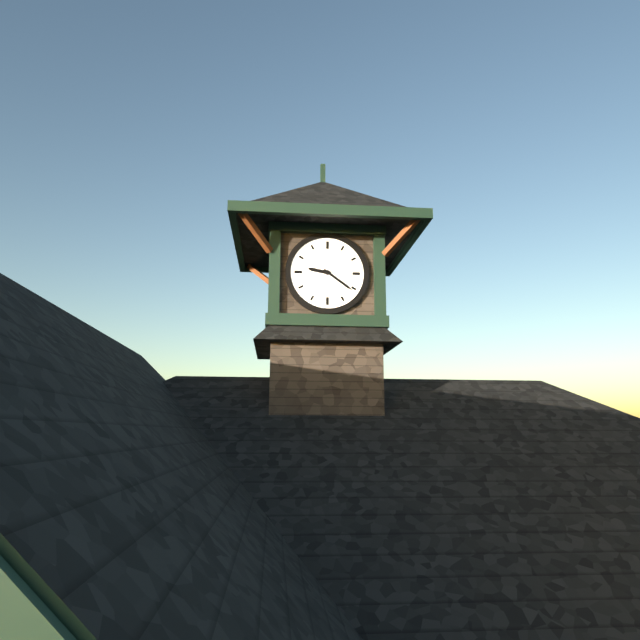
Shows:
9,21
